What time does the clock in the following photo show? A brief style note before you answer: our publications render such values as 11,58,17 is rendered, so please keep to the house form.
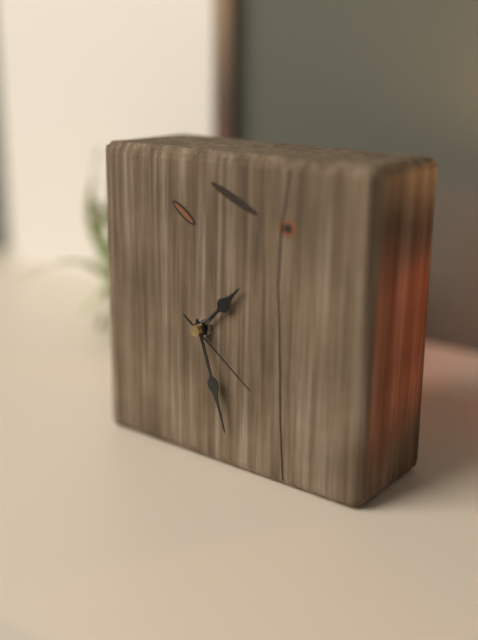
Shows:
1,27,21
